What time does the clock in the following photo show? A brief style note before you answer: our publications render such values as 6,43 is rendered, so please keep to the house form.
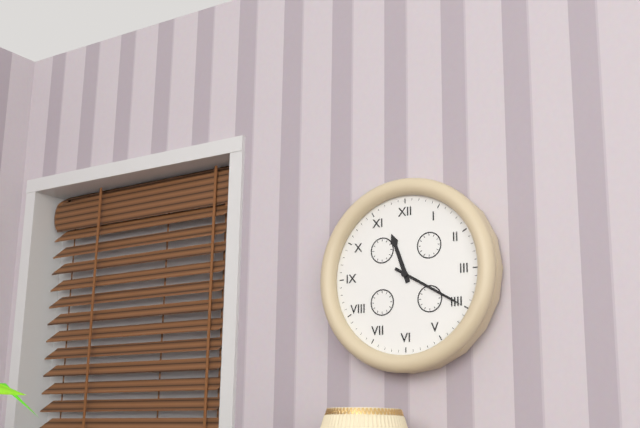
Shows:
11,20
